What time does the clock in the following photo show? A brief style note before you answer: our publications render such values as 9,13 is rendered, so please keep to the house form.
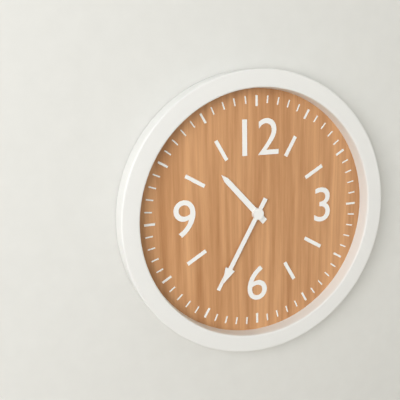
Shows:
10,35
